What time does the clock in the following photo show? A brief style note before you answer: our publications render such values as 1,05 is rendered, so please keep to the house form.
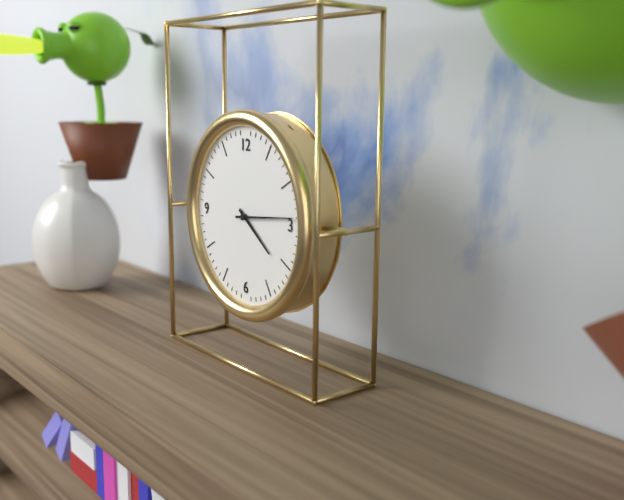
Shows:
4,14
